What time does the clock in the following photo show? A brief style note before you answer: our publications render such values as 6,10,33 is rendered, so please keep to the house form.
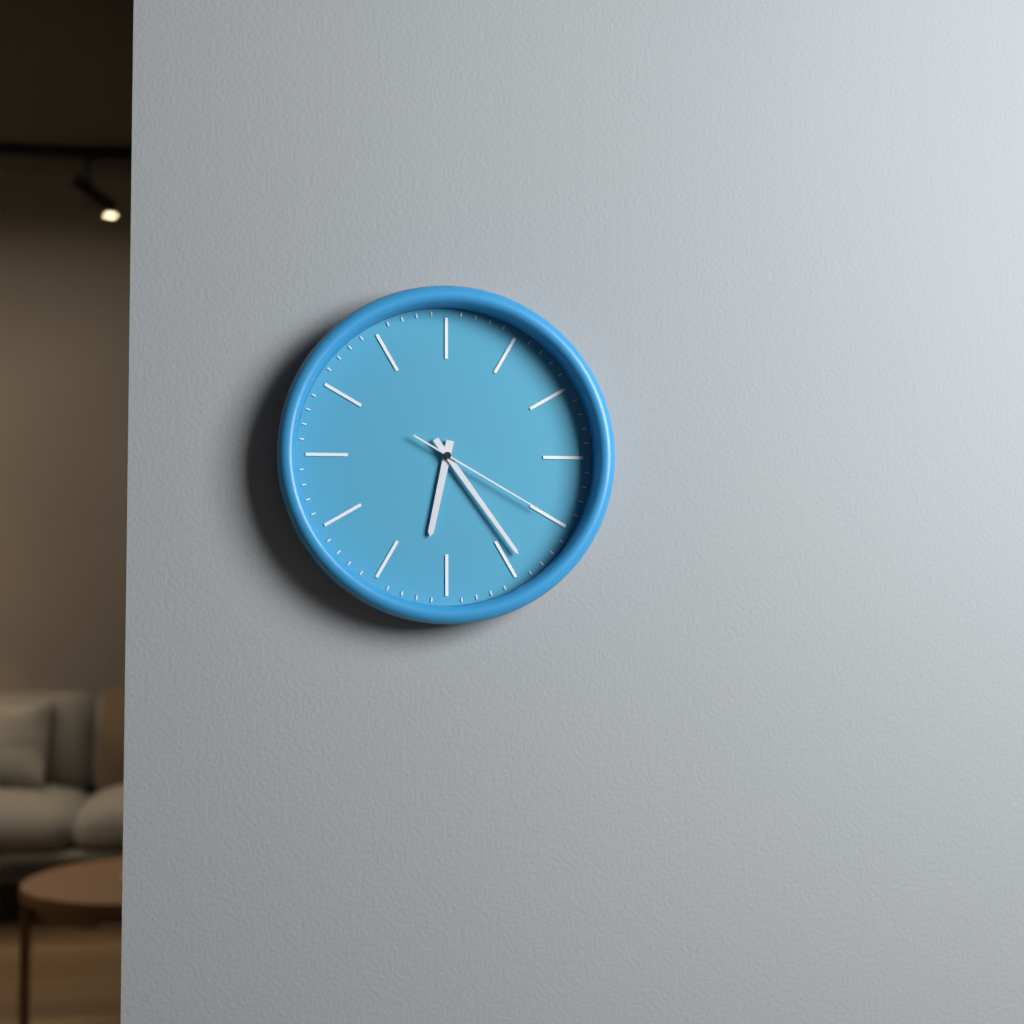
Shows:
6,24,20
